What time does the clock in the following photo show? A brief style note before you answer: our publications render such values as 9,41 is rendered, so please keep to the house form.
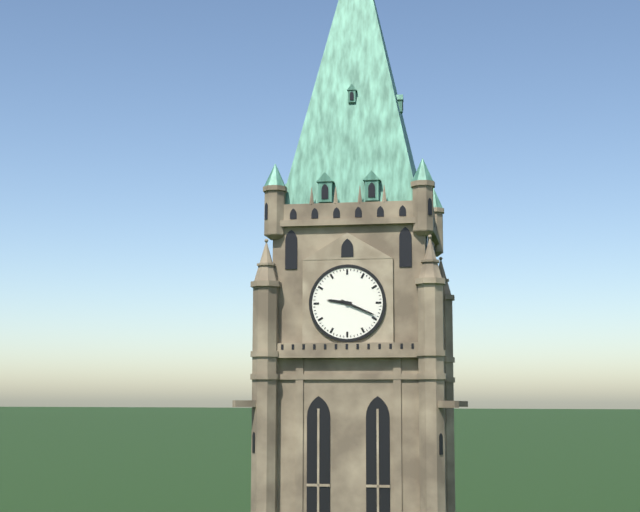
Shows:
9,19
